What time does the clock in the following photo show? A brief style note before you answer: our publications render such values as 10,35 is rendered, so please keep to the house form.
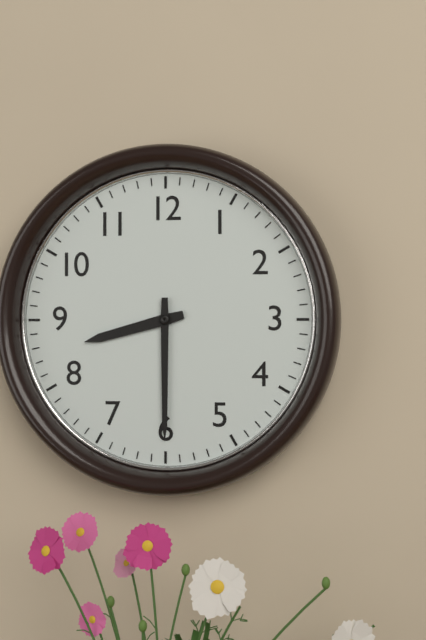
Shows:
8,30
